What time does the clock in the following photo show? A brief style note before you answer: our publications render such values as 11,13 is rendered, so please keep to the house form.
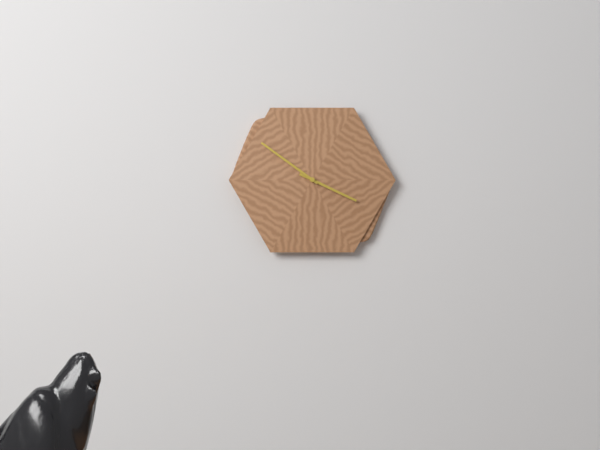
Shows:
3,51
